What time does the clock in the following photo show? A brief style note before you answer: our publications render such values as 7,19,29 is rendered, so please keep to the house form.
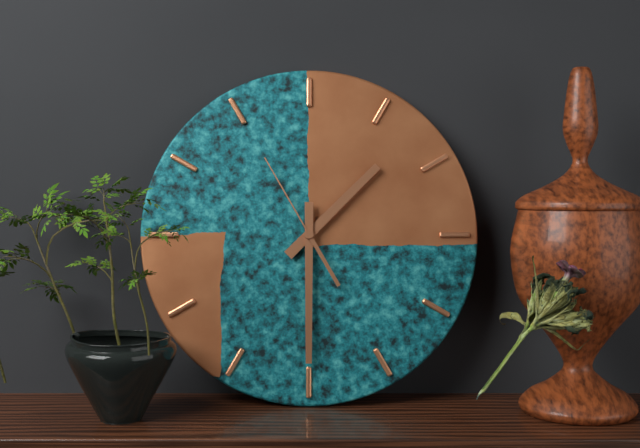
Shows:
1,30,55
